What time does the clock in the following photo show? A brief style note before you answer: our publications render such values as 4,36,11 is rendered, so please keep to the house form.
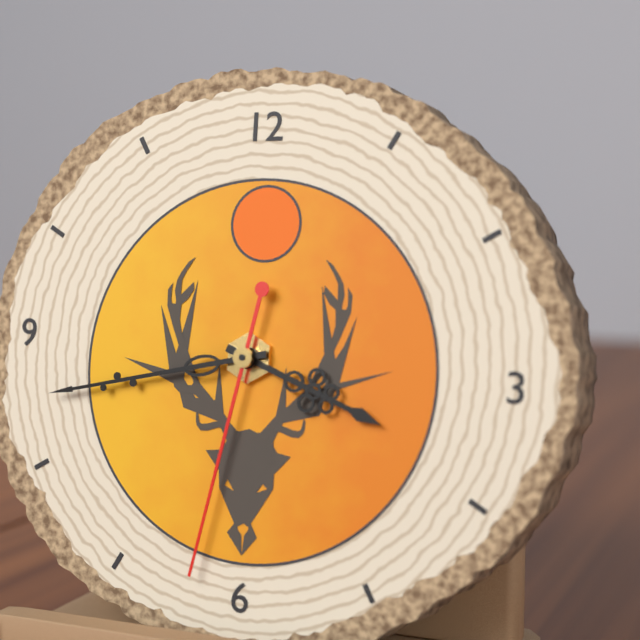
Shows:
3,43,32
